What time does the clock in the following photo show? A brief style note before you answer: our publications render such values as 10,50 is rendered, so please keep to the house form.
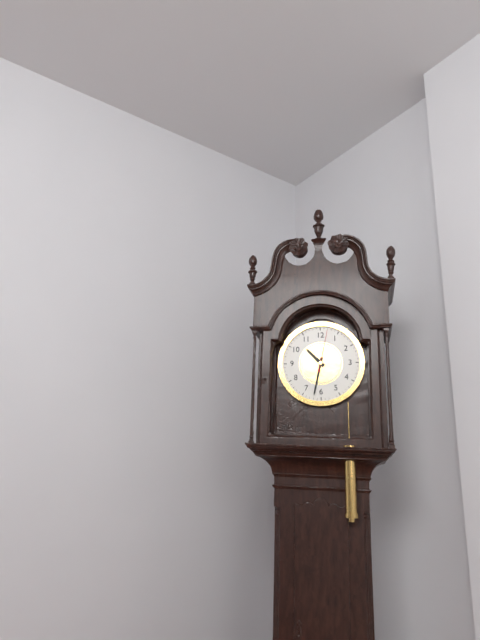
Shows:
10,32
